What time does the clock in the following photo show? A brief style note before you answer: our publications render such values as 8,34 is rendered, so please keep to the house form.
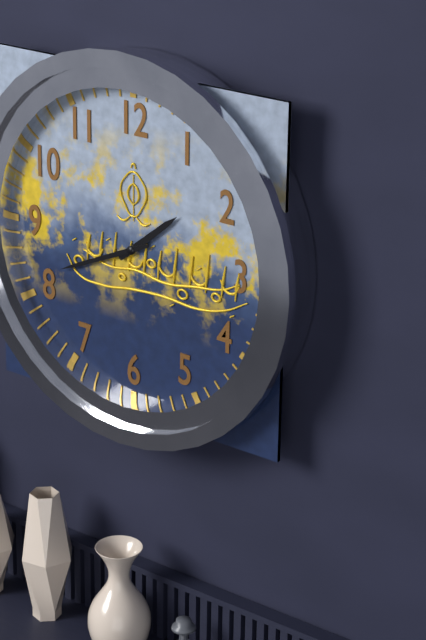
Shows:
1,41
